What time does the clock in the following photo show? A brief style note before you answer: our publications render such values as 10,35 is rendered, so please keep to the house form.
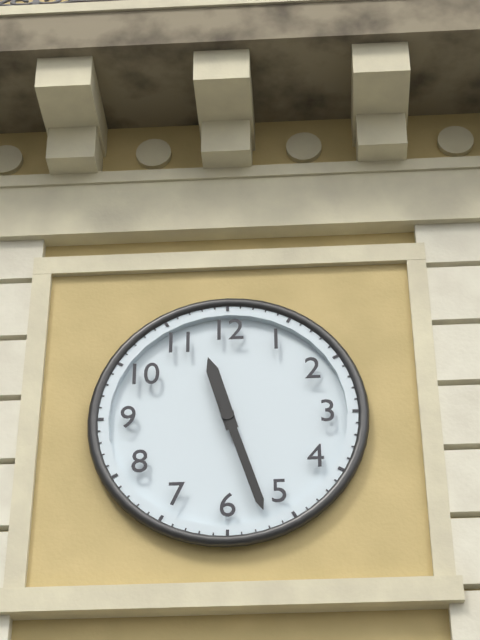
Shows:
11,27
